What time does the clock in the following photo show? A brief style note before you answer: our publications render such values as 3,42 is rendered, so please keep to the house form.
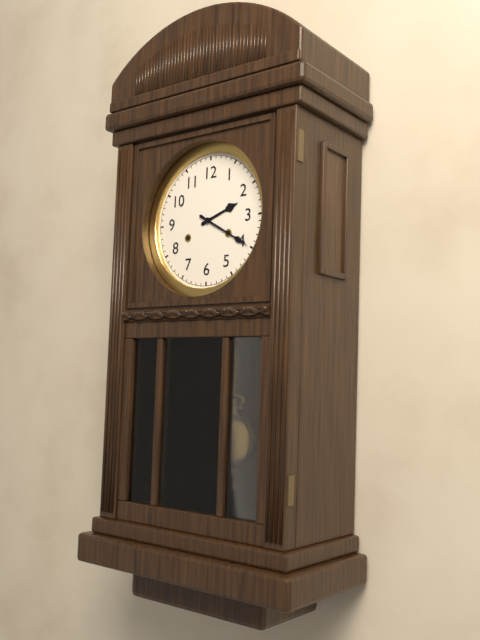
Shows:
2,20
